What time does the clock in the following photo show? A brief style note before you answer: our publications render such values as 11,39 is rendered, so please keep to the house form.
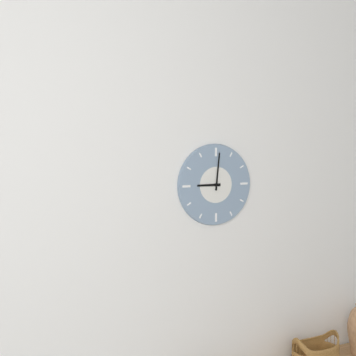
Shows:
9,01
